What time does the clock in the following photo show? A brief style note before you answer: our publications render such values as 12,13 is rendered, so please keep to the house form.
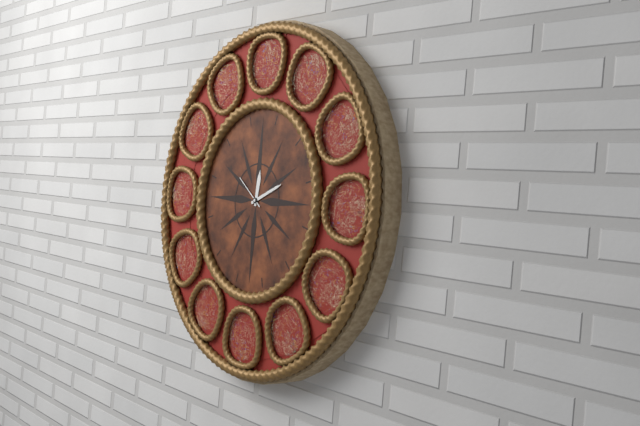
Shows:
12,11
